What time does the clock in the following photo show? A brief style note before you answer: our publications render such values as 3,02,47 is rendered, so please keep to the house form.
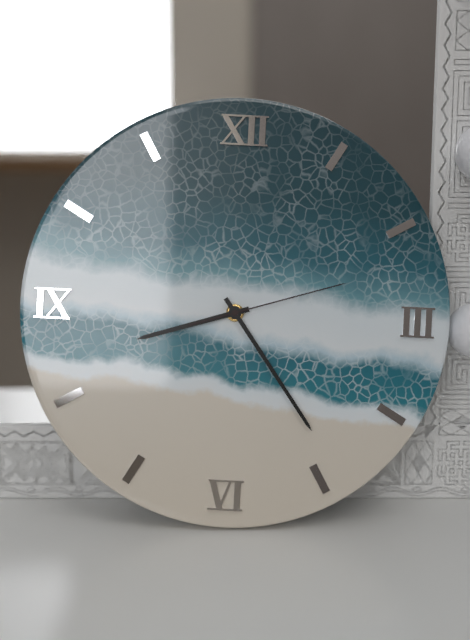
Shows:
8,24,12
